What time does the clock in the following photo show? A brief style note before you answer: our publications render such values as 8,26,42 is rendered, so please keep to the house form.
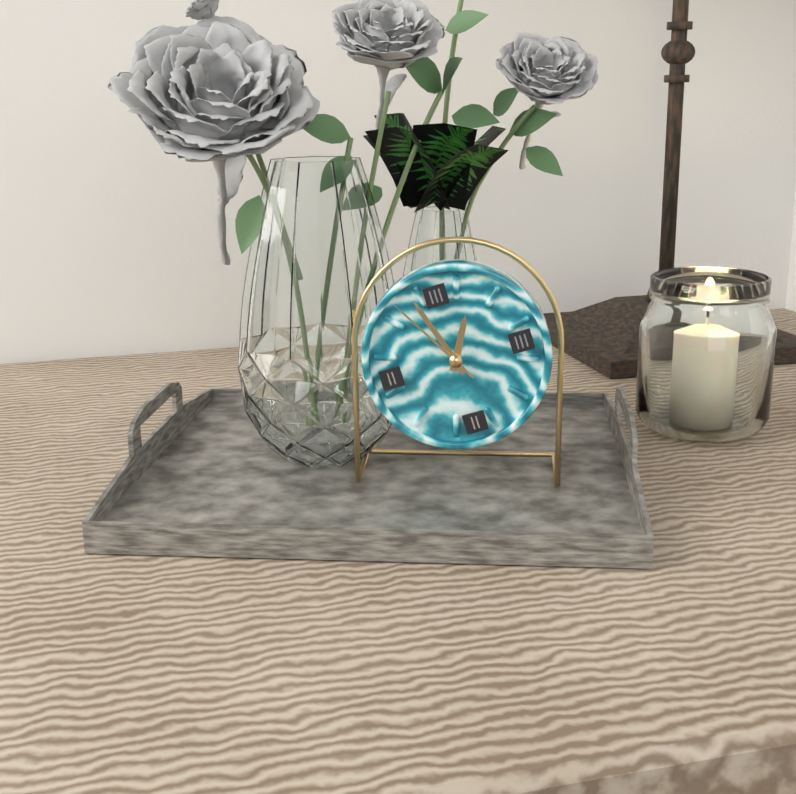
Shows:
12,57,55
